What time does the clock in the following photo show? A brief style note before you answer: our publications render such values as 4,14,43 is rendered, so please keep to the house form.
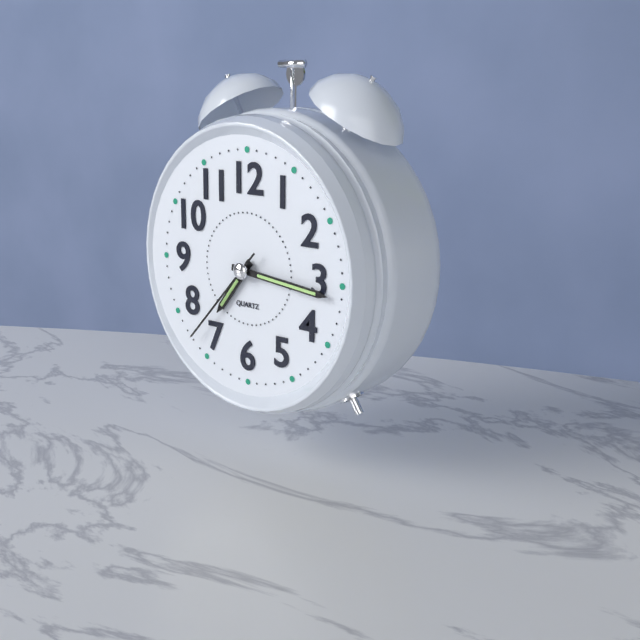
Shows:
7,16,37
